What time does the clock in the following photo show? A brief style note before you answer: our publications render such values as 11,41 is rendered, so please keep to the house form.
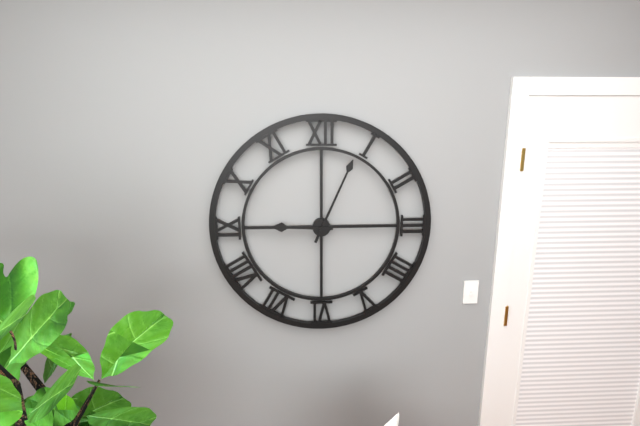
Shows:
9,04
